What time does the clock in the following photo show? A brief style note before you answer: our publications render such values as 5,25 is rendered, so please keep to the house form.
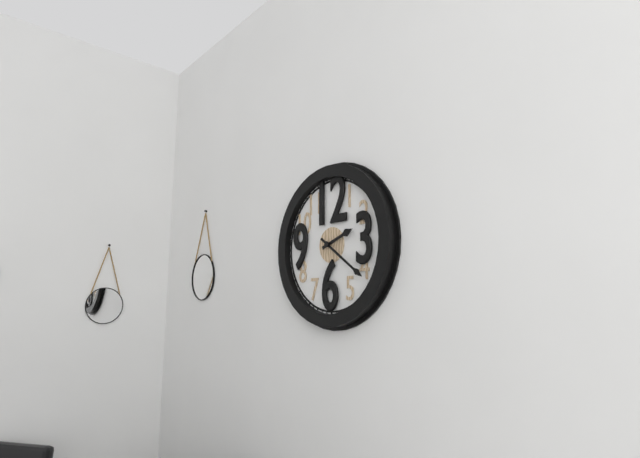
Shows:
2,21
